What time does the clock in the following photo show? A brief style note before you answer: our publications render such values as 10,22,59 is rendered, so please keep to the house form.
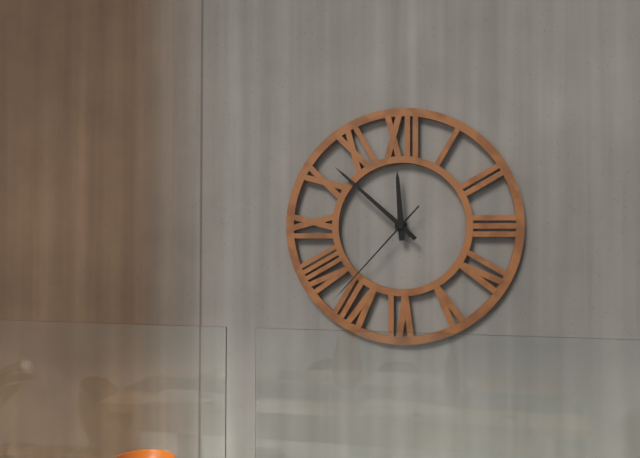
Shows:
11,52,37
